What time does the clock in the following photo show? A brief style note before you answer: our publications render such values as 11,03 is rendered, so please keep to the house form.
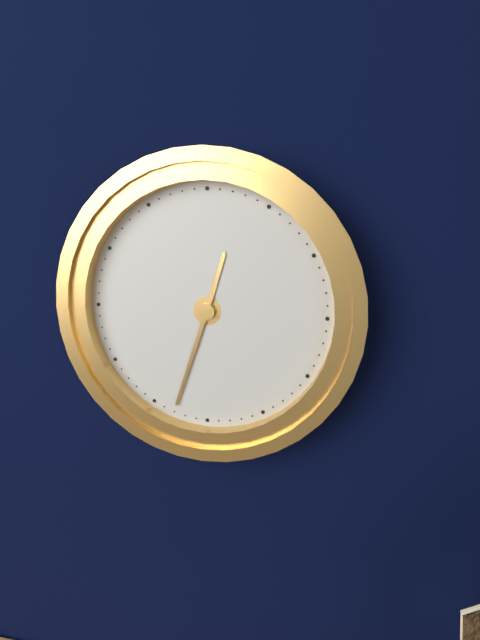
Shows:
12,33
